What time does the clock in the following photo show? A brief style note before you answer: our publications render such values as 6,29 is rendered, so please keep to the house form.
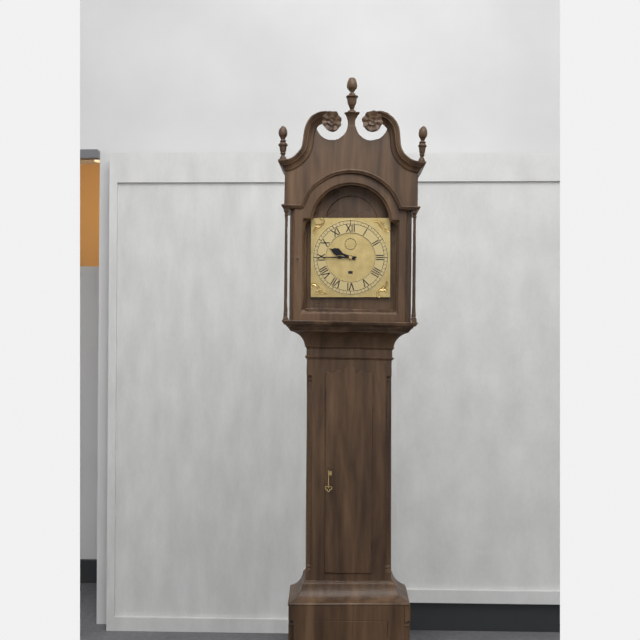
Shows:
9,45
